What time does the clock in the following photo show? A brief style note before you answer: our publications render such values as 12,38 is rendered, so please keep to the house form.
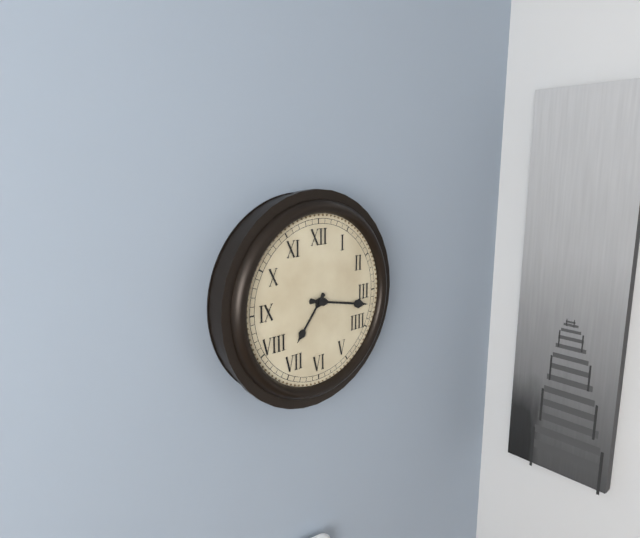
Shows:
7,17
